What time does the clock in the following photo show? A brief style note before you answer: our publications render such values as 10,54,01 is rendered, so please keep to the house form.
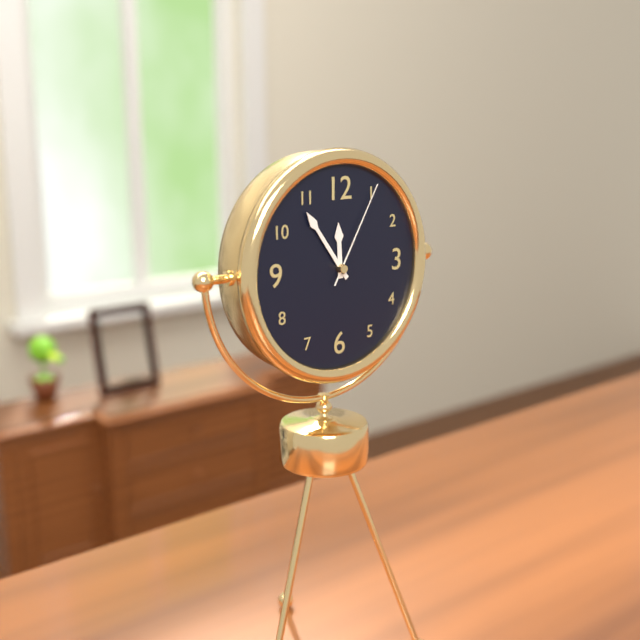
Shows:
11,54,05
